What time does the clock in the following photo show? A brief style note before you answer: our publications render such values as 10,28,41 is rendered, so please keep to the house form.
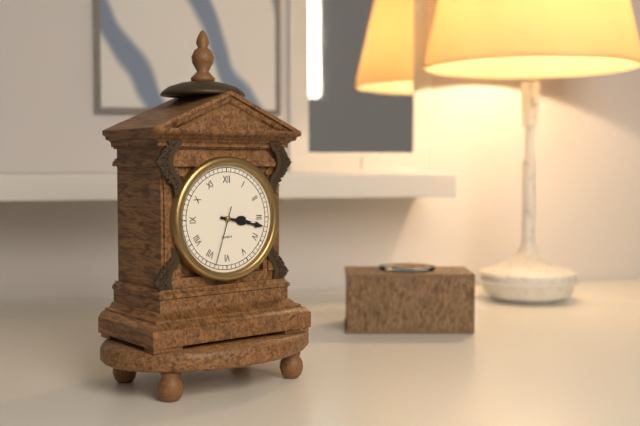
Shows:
3,17,33
